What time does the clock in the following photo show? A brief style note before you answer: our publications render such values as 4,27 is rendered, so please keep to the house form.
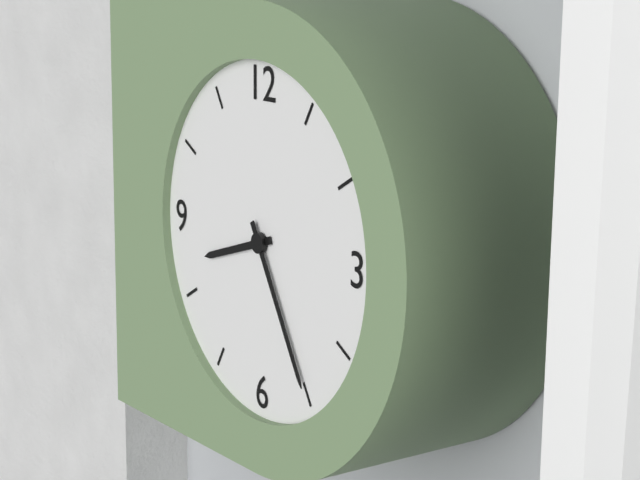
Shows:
8,25
